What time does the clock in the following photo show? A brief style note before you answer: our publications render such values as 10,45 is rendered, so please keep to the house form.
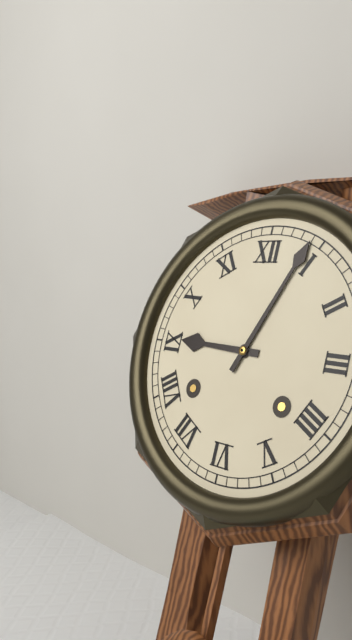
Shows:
9,04
